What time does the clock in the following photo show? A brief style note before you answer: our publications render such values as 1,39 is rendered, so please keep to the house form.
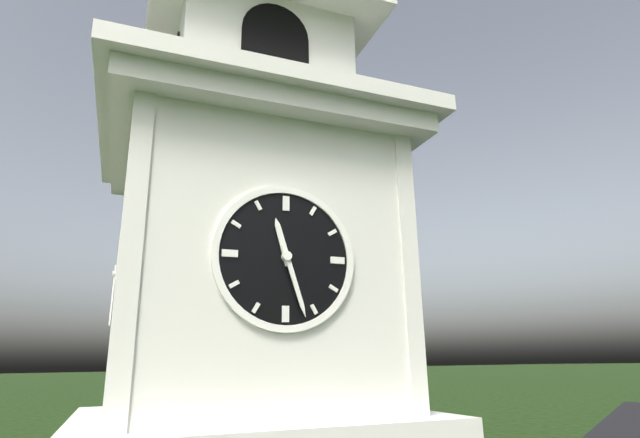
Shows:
11,27
